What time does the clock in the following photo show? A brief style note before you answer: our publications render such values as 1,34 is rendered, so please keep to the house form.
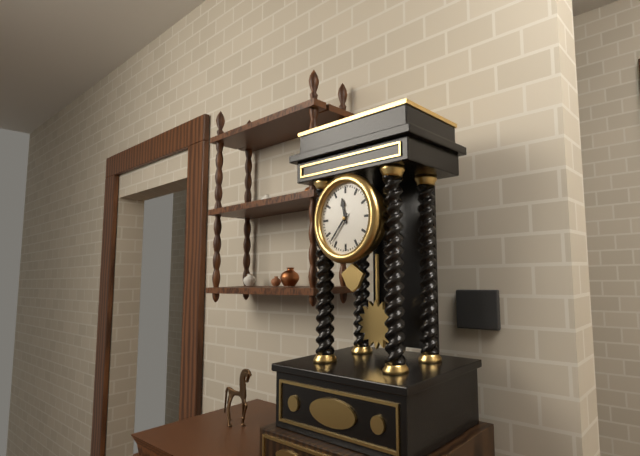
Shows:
11,37
